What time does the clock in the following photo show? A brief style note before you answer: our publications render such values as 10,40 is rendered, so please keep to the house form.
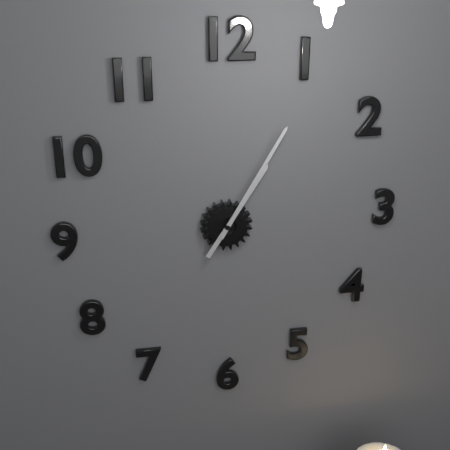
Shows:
1,05
